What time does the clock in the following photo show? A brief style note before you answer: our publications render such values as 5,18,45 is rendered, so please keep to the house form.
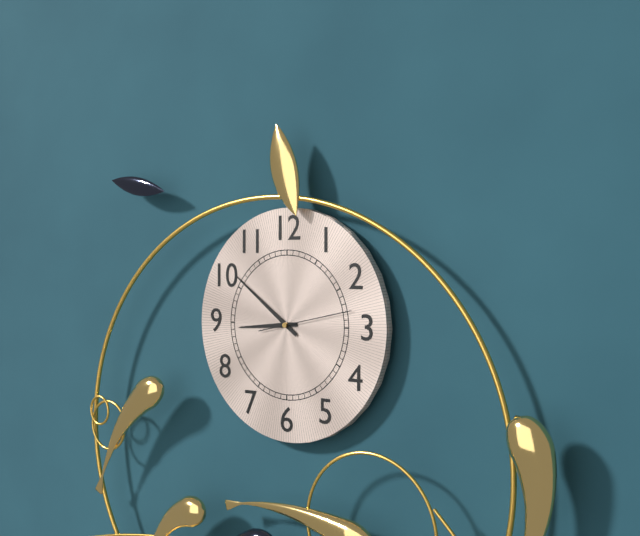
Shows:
8,51,13
